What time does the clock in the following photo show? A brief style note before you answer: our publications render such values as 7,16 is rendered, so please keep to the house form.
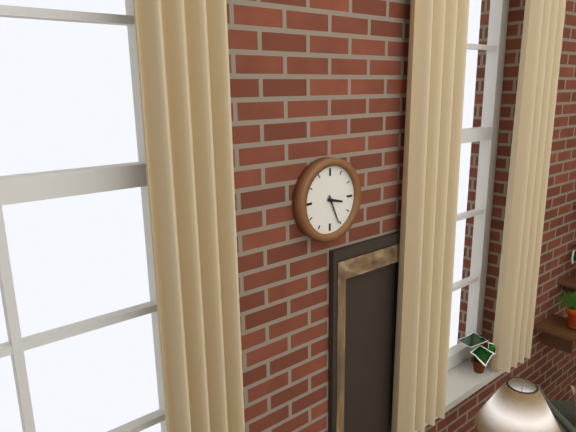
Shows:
3,26
